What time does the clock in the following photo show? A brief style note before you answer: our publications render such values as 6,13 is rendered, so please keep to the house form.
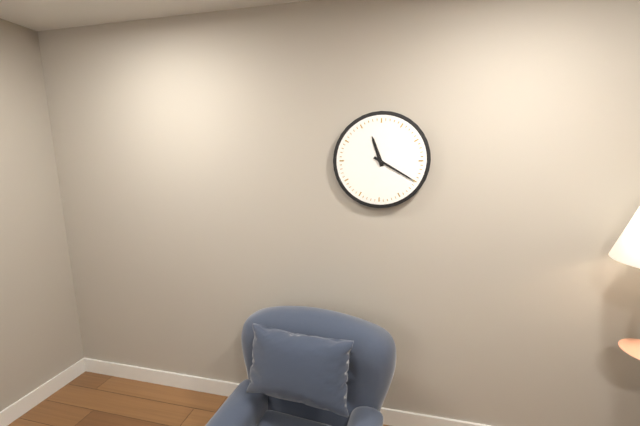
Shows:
11,20
